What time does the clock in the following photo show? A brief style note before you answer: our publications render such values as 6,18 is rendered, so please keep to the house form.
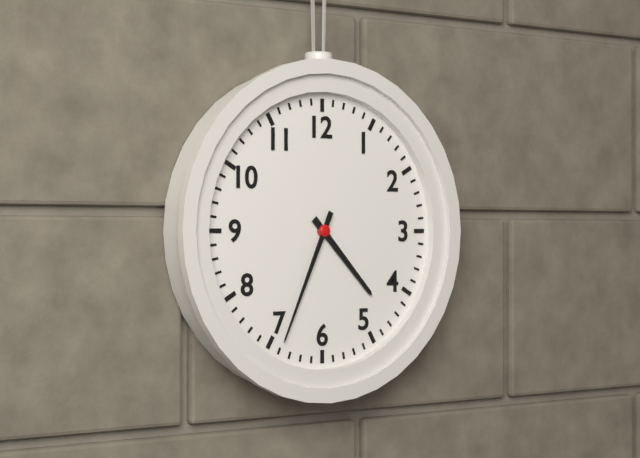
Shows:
4,34
